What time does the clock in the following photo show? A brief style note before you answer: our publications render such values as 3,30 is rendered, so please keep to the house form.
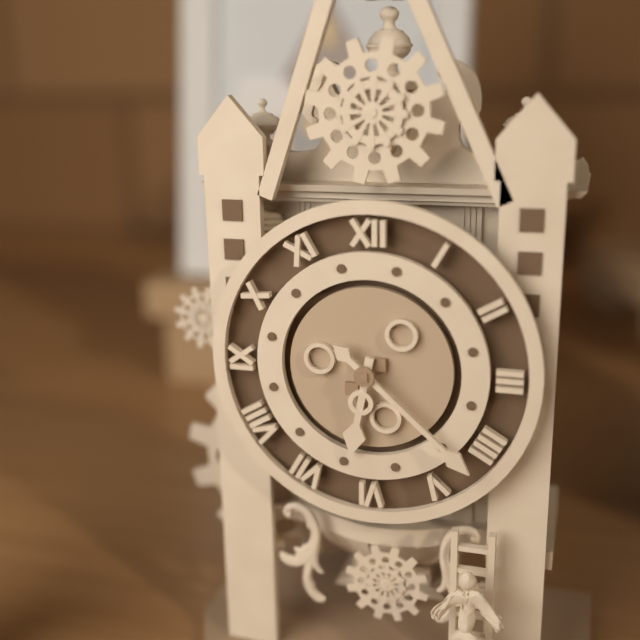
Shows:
6,22
